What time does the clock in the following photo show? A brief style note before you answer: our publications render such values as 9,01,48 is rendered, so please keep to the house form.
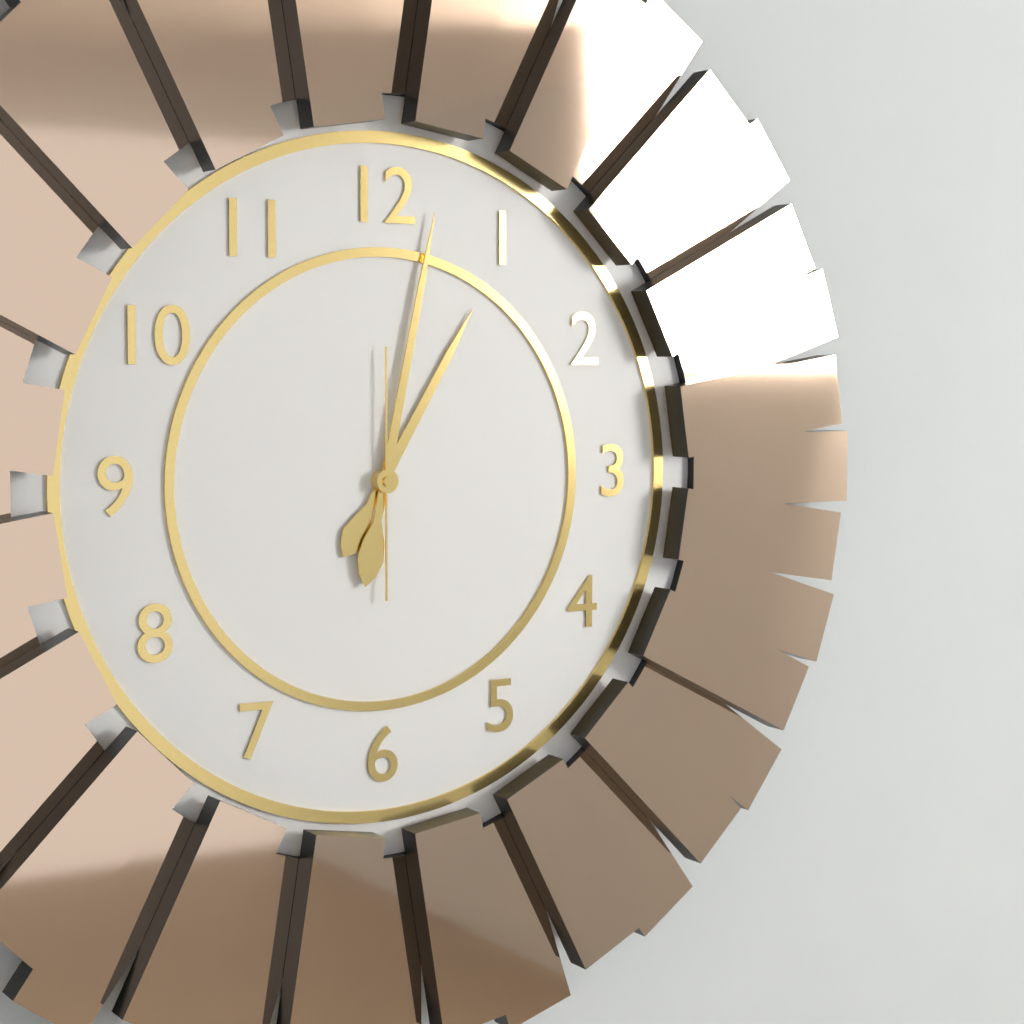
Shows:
1,02,00
